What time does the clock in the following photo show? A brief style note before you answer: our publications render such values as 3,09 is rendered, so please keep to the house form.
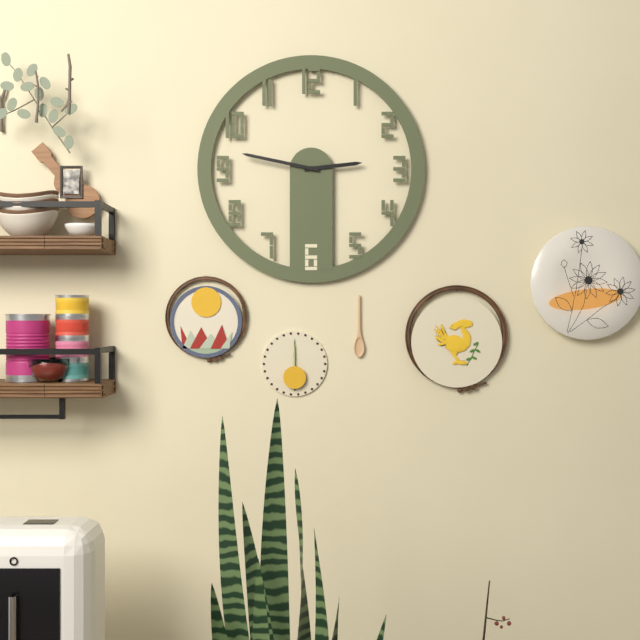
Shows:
2,47
